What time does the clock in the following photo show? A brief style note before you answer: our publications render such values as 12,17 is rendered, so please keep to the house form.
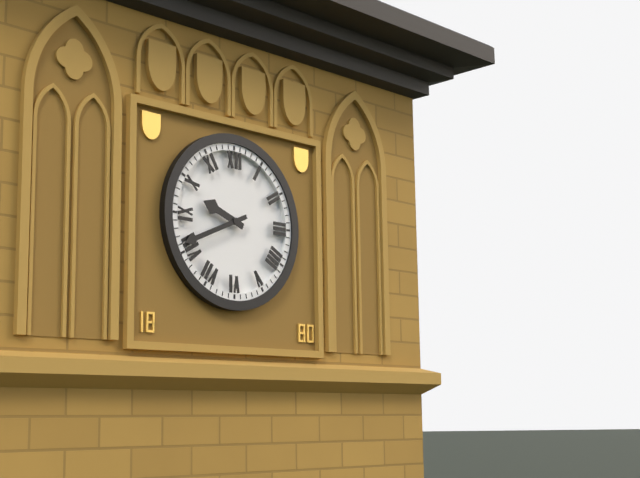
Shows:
9,41
